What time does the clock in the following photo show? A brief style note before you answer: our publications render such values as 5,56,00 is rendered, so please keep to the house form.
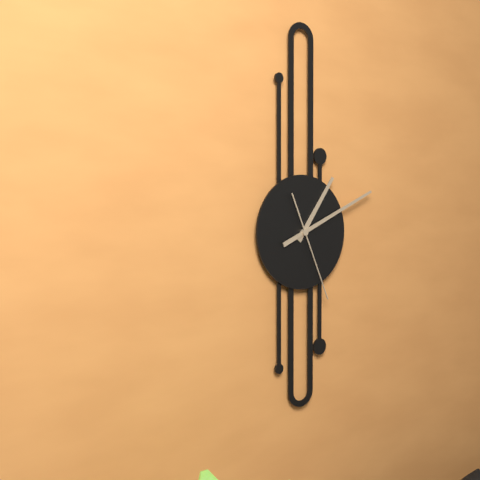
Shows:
1,11,26
